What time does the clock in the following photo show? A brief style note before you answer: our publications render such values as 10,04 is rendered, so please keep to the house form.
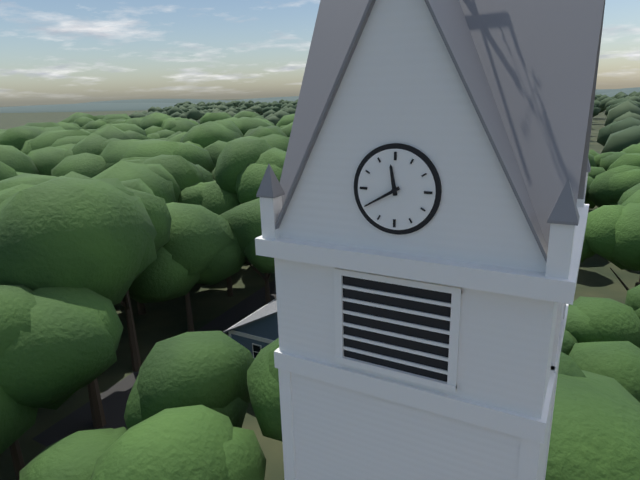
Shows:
11,40
